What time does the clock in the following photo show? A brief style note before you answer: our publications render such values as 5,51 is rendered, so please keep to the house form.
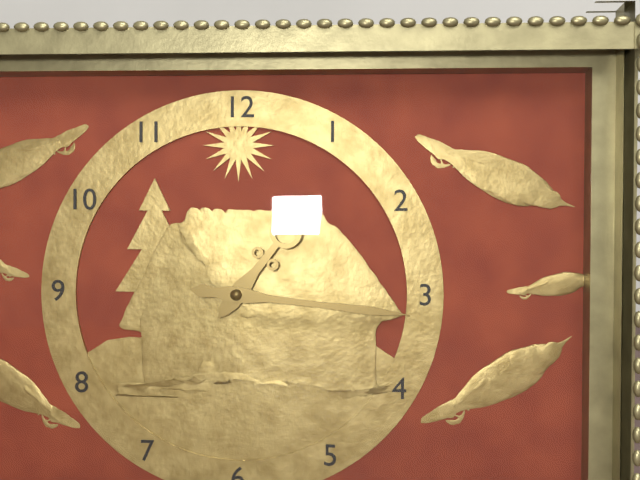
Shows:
1,16
